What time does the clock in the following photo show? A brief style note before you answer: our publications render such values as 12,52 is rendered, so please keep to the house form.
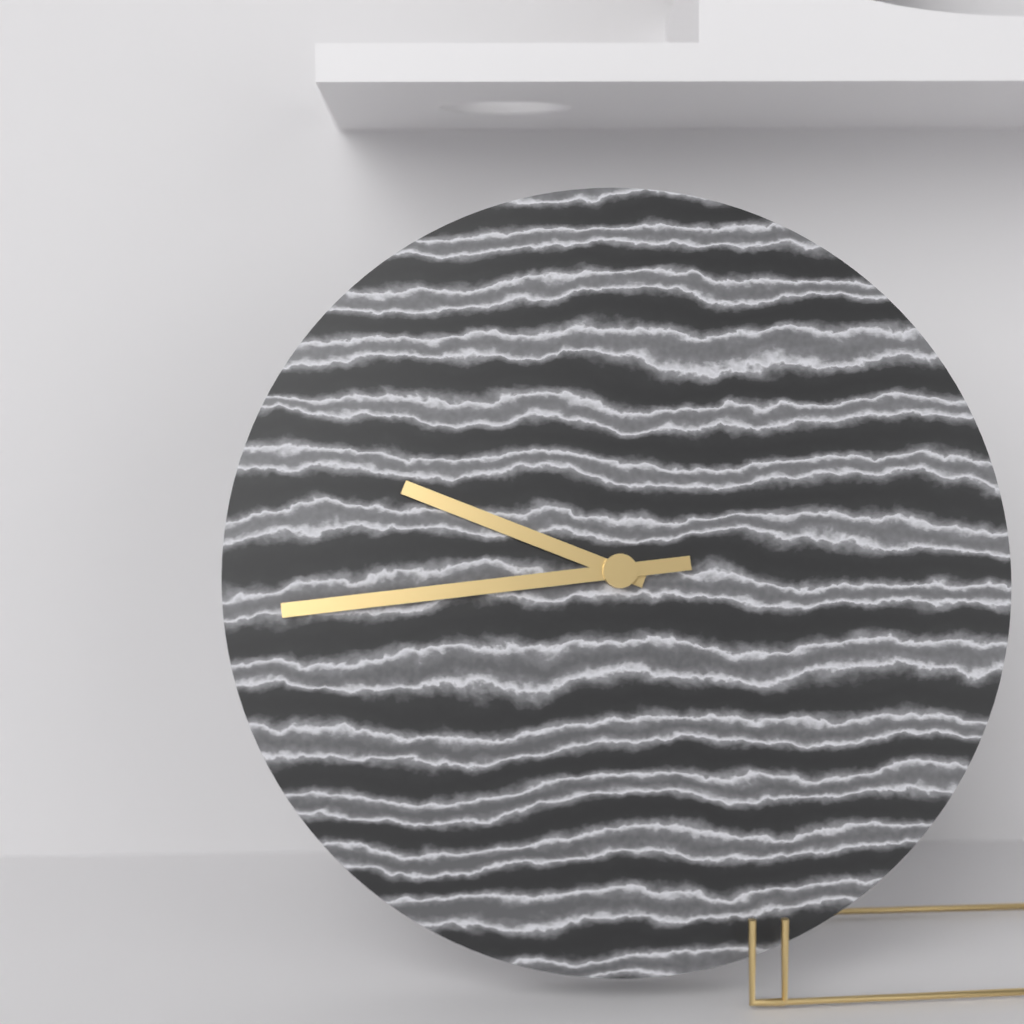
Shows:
9,44
